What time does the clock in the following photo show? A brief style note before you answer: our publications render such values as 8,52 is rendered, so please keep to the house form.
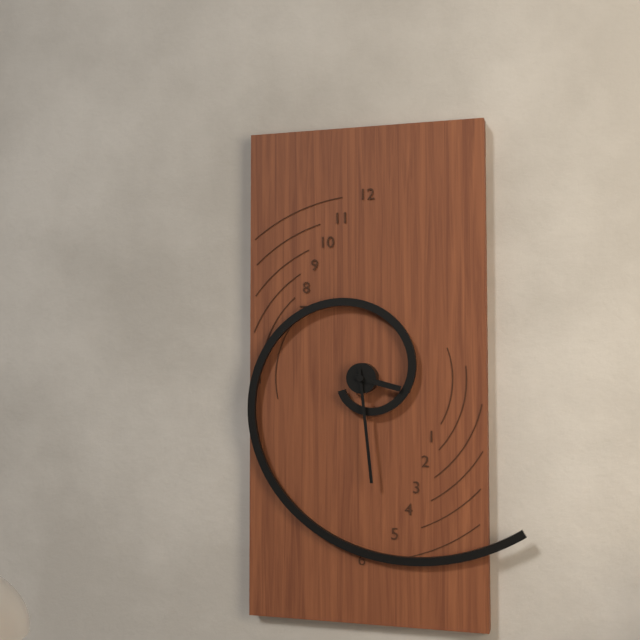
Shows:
3,29
